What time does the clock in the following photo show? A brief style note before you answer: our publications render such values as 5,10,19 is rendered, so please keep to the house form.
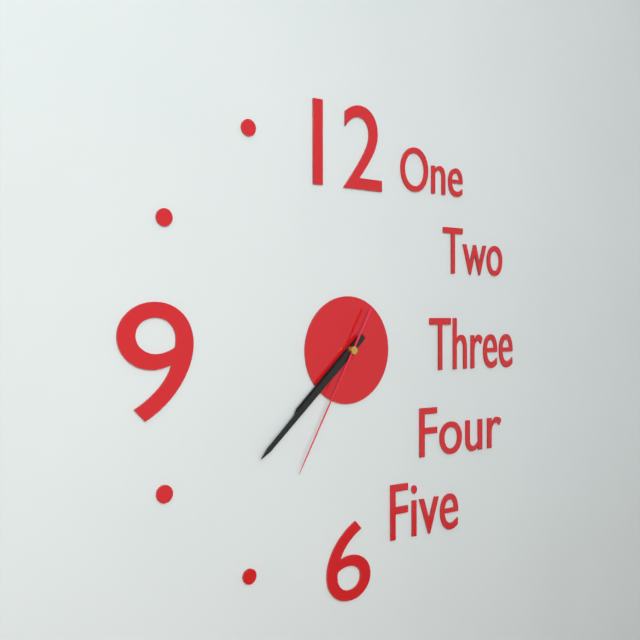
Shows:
7,38,35
